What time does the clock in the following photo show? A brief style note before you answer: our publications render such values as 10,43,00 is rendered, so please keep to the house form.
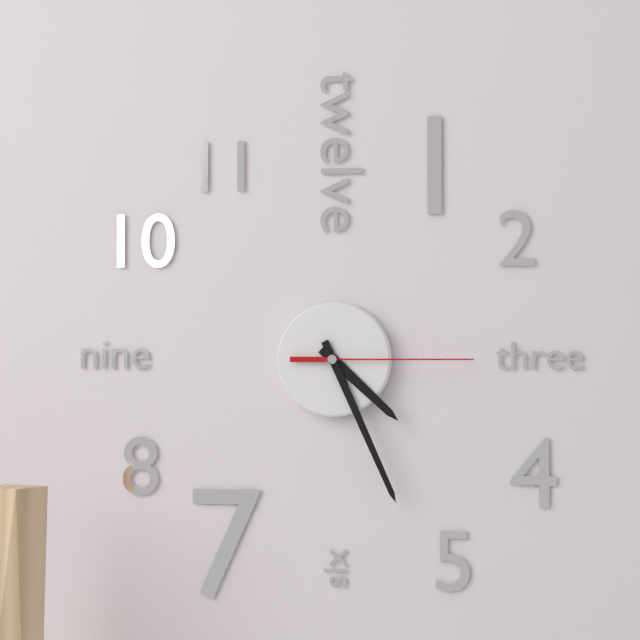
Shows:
4,26,15
